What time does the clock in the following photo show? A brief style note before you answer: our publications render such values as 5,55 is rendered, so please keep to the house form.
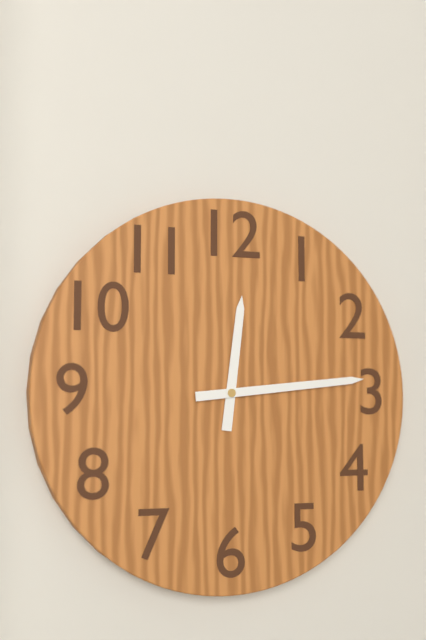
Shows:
12,14
